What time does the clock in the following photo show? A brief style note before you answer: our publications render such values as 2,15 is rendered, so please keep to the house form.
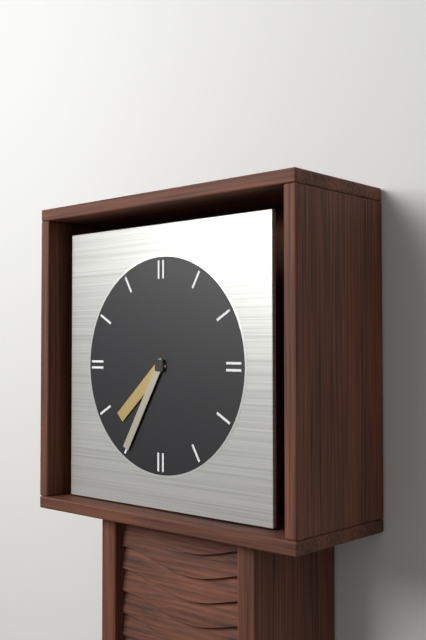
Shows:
7,35
